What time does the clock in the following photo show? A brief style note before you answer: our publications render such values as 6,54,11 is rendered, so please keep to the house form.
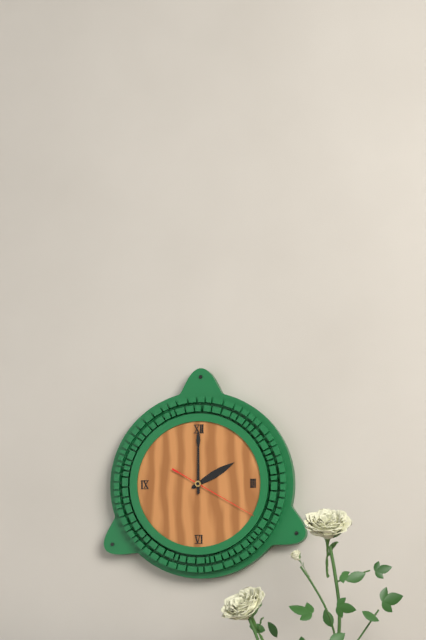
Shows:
2,00,20
